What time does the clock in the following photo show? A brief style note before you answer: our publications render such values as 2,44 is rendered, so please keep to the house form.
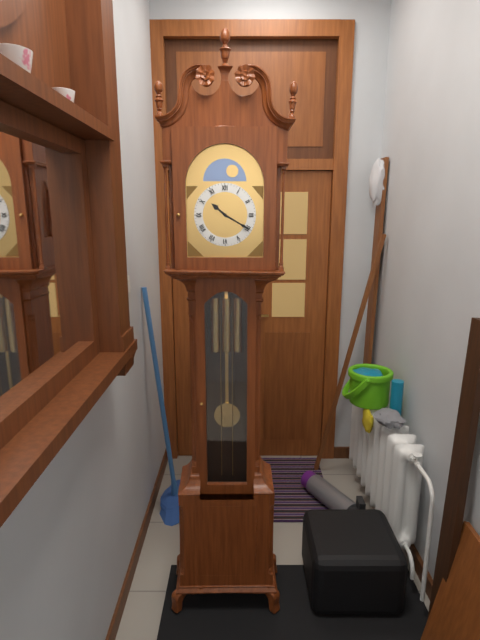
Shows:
10,20
